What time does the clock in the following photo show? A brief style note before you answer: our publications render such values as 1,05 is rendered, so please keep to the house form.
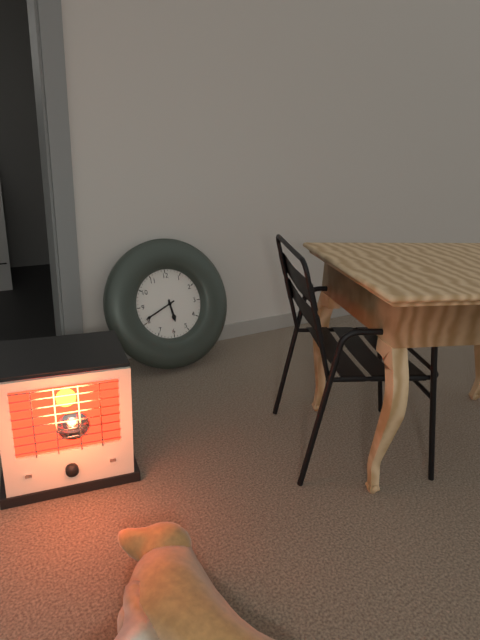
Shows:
5,41
